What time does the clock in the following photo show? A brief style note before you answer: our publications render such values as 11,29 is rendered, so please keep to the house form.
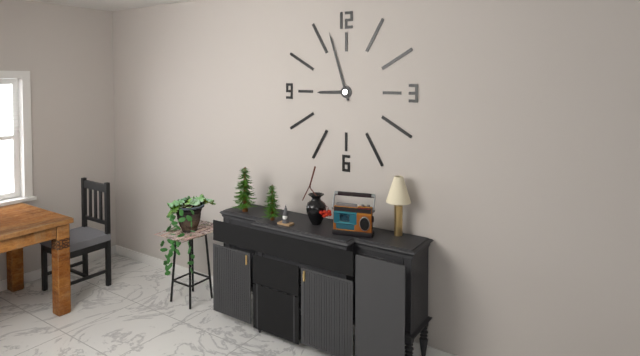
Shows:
8,57
